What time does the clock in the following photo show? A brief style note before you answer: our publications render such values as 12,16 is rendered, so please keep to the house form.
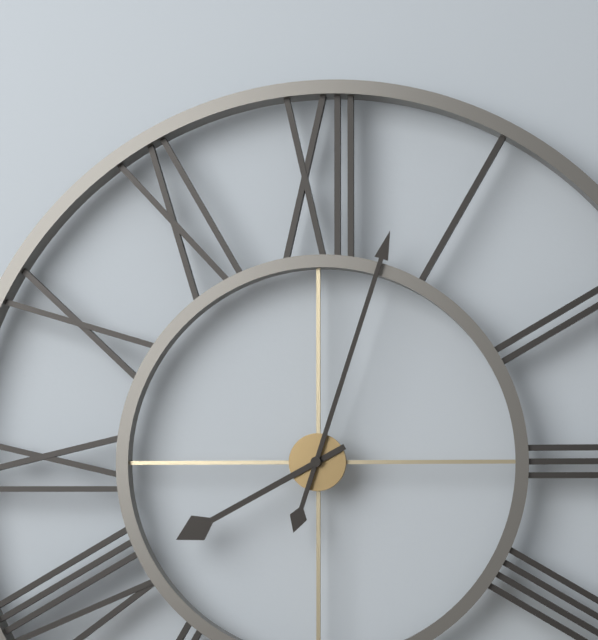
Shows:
8,03
